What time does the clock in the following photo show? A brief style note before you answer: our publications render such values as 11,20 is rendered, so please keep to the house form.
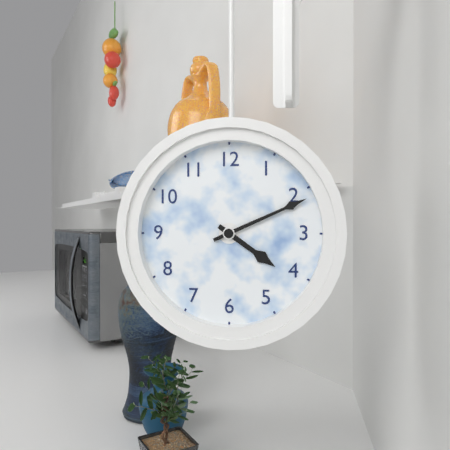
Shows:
4,11
